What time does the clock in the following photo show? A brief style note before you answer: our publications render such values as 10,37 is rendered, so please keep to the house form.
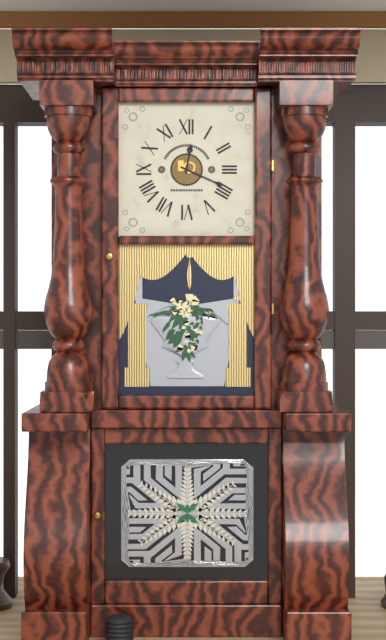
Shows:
12,19
